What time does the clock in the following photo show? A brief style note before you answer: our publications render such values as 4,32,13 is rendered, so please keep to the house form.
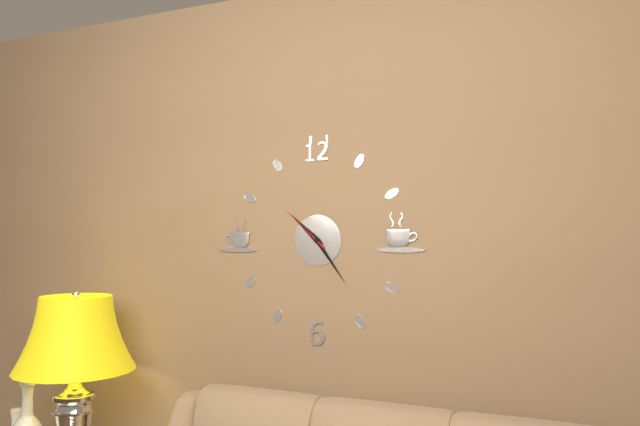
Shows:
10,24,52
